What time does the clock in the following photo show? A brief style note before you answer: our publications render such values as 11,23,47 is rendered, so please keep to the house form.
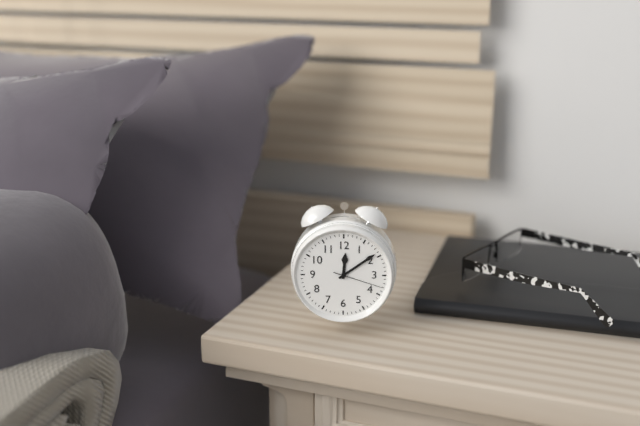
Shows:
12,09,18
